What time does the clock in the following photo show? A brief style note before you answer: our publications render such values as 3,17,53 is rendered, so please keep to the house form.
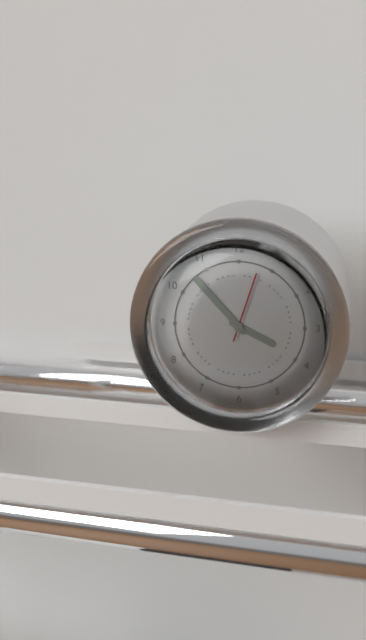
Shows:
3,53,03
